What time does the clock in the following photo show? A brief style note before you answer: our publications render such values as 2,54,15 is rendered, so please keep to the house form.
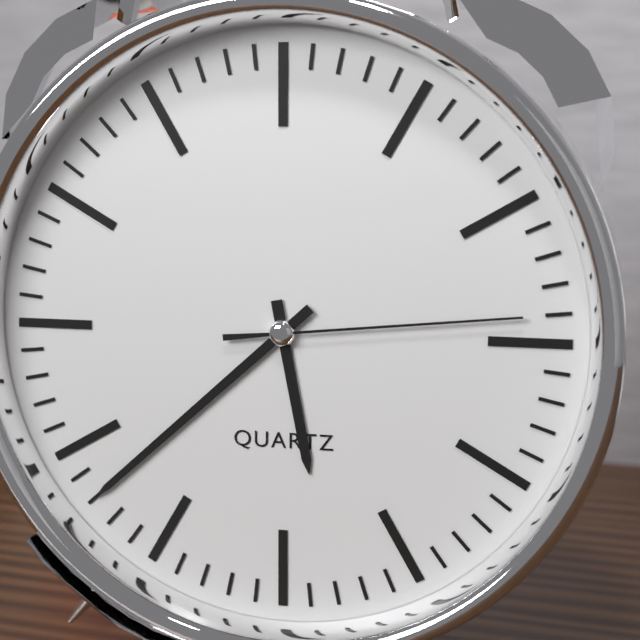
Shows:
5,38,14
